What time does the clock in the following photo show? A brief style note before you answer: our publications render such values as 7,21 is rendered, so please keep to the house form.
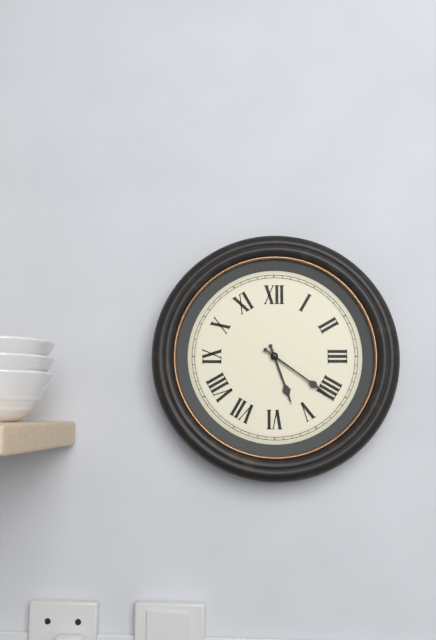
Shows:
5,21
